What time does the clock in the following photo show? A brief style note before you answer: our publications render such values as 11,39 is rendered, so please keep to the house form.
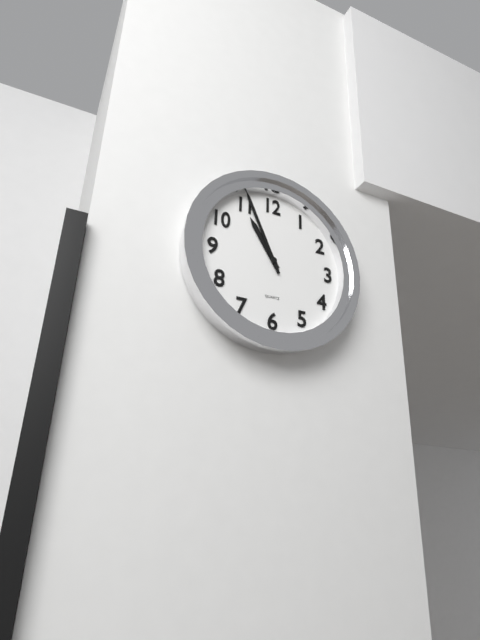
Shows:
10,56
